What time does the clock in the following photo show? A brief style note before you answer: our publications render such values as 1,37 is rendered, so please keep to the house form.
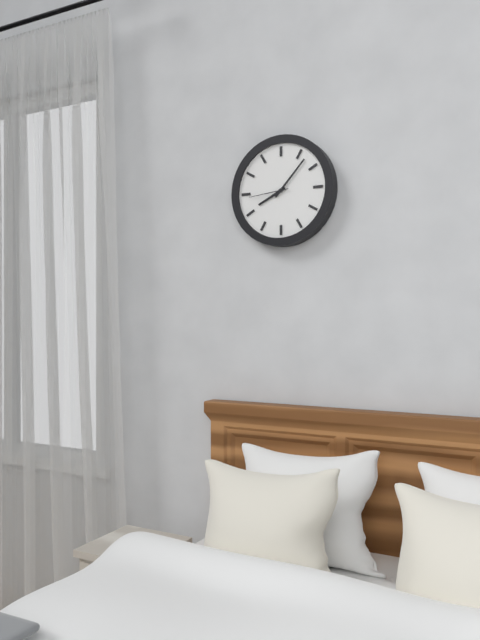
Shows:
8,07
